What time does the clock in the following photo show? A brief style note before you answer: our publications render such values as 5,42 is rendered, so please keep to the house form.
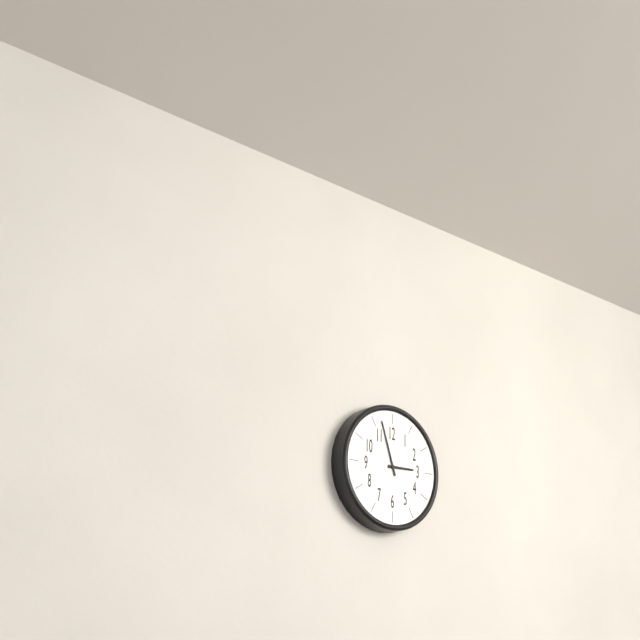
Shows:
2,57
